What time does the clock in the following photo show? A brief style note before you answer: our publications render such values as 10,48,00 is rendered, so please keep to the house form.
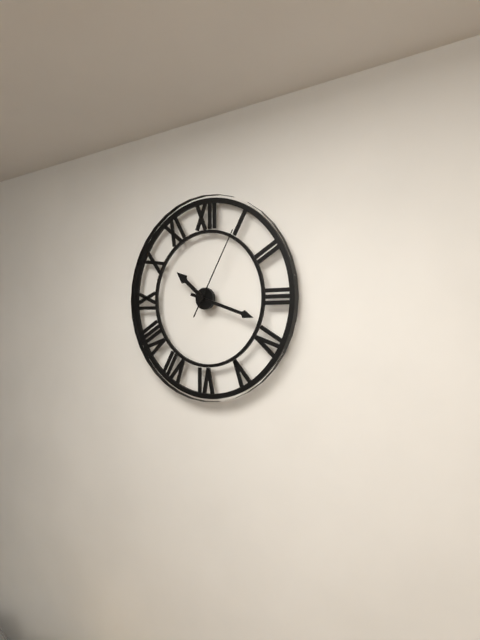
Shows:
10,18,05
